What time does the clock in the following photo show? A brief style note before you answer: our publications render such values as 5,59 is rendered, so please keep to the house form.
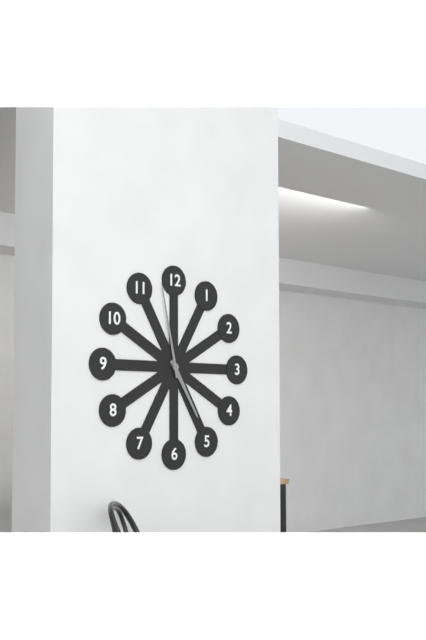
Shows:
4,58
